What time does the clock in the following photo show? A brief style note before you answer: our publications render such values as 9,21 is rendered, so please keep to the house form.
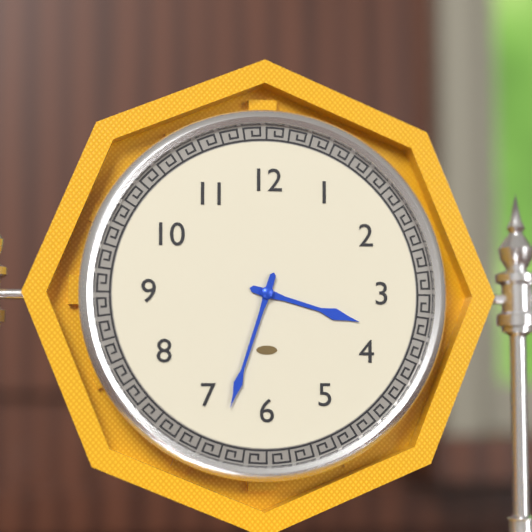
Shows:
3,33
